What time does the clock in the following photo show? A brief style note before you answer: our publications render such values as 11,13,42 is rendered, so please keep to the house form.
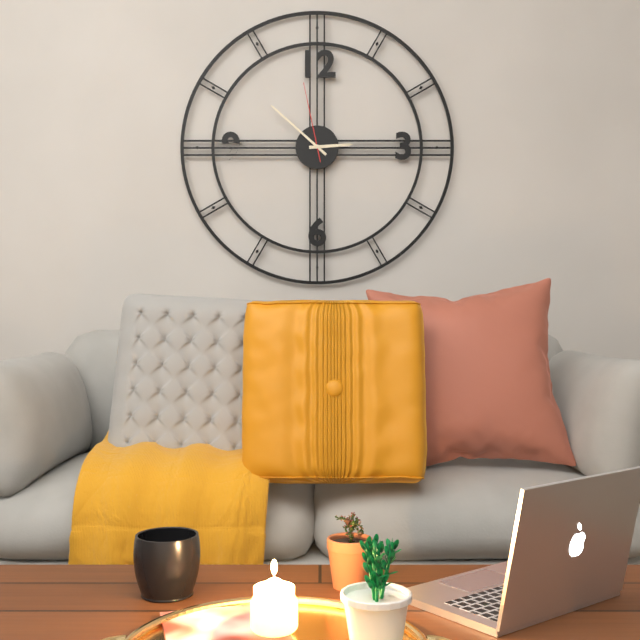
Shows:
2,52,58
